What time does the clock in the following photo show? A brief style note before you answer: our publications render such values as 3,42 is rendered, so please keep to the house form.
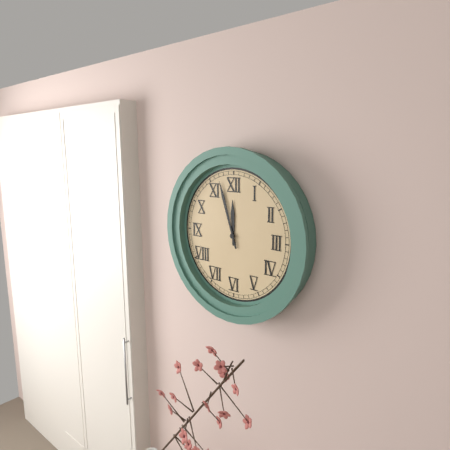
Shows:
11,57
